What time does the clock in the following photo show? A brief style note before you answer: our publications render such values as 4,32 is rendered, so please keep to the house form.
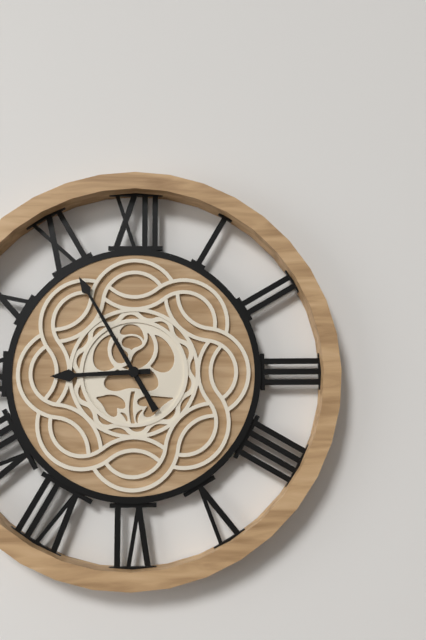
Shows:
8,55
